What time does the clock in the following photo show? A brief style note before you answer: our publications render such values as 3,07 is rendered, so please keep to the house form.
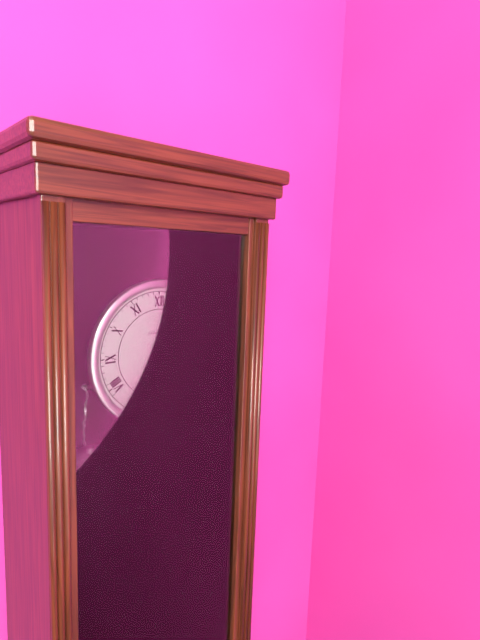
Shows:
2,29
